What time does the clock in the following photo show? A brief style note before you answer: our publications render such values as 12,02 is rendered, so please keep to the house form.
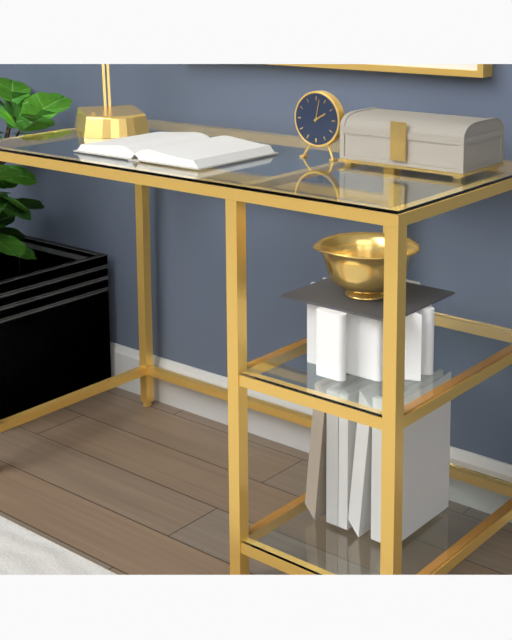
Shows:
2,02
